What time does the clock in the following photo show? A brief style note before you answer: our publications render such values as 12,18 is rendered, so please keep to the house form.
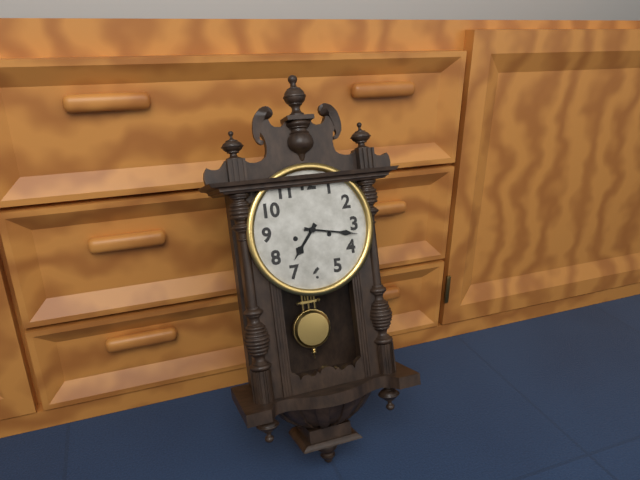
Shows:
7,17
